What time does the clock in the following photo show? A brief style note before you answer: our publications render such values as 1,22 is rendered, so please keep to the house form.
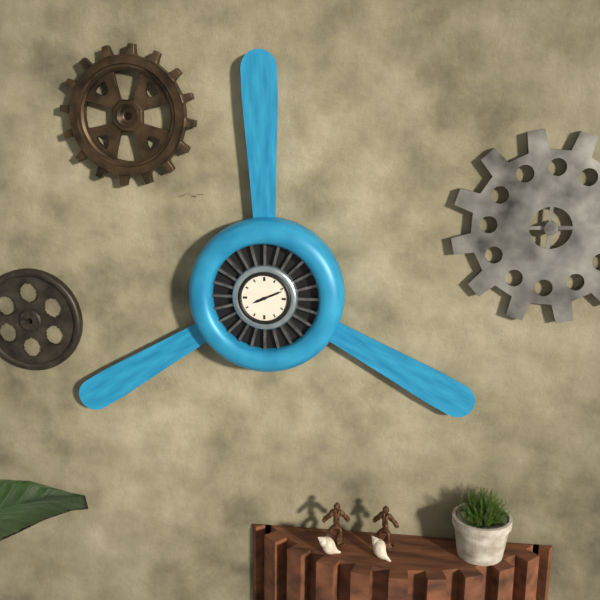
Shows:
8,11
